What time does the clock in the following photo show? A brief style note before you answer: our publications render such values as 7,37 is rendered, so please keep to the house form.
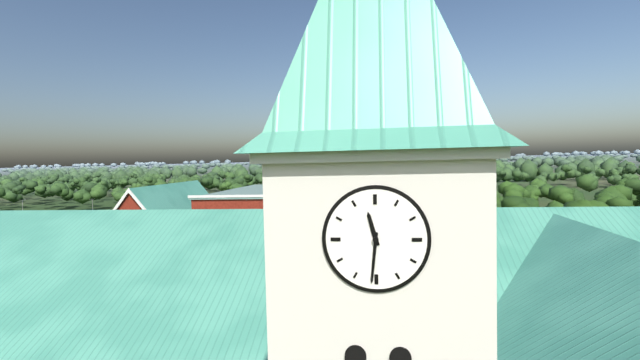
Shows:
11,31
